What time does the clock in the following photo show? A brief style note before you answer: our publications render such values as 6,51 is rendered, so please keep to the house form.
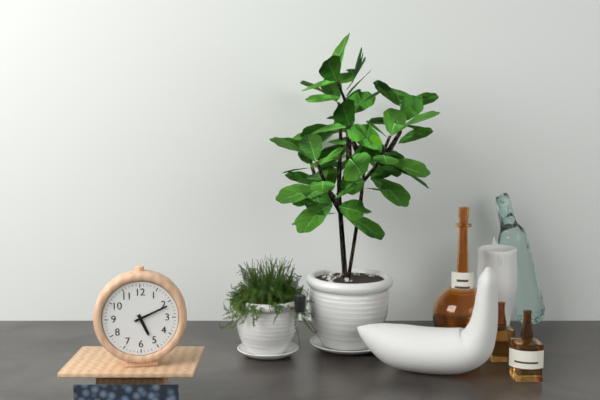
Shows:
5,11
